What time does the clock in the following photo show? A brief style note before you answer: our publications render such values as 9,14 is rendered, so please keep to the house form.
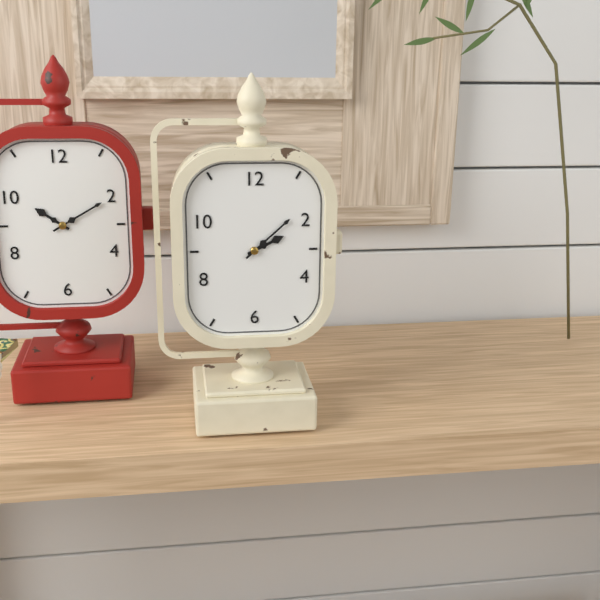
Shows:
2,08
